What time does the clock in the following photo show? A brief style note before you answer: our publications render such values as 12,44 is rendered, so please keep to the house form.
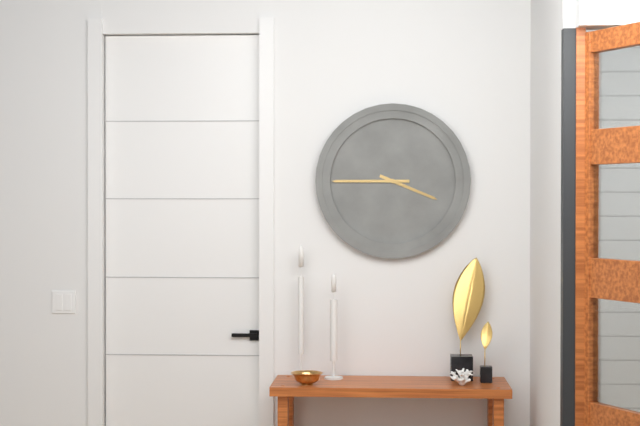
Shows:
3,45
